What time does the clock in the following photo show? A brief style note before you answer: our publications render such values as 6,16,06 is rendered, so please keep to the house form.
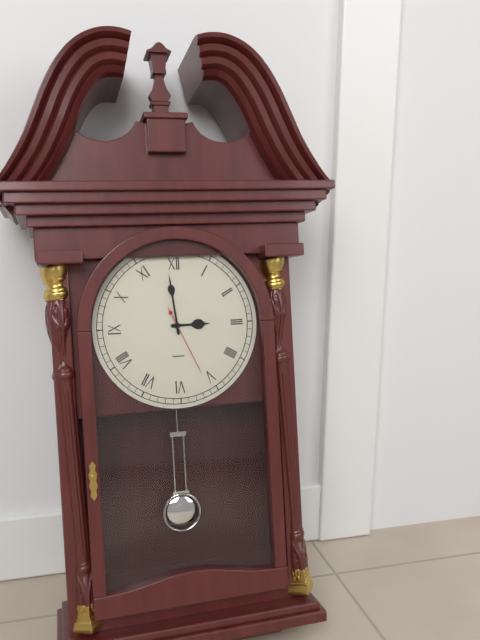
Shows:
2,59,26
